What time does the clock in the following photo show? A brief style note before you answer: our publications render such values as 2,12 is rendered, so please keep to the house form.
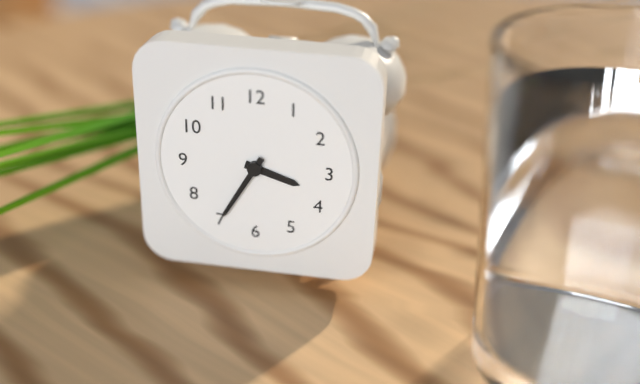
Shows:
3,35
